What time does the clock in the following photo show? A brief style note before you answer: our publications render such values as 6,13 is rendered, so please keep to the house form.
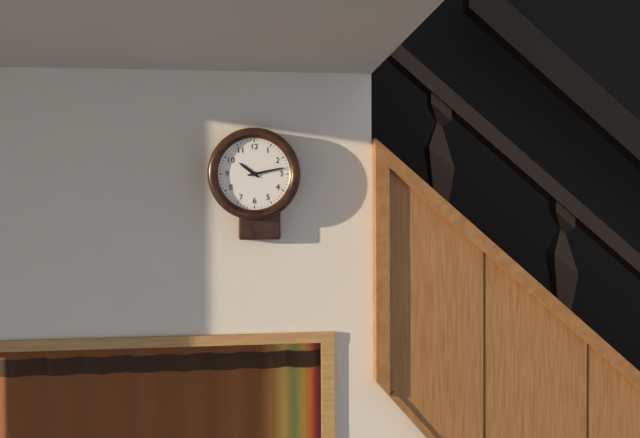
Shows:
10,13
